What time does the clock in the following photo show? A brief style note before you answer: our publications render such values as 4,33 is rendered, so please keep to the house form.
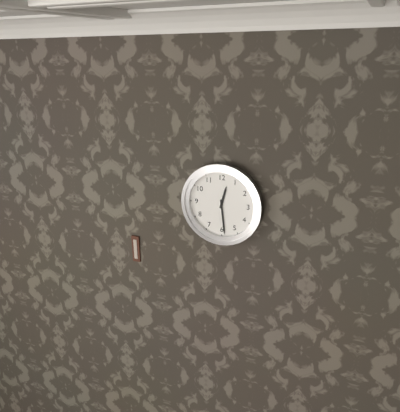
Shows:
12,29
